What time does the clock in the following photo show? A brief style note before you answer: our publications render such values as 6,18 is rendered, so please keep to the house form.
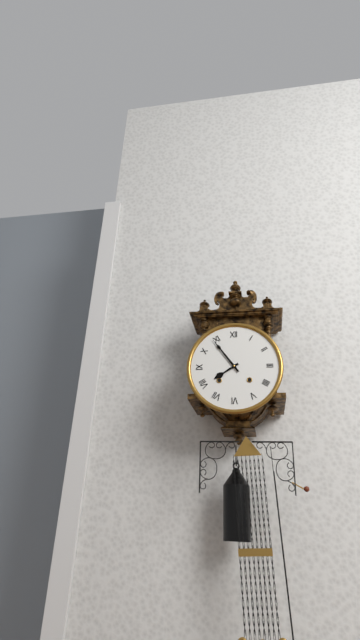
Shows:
7,54
